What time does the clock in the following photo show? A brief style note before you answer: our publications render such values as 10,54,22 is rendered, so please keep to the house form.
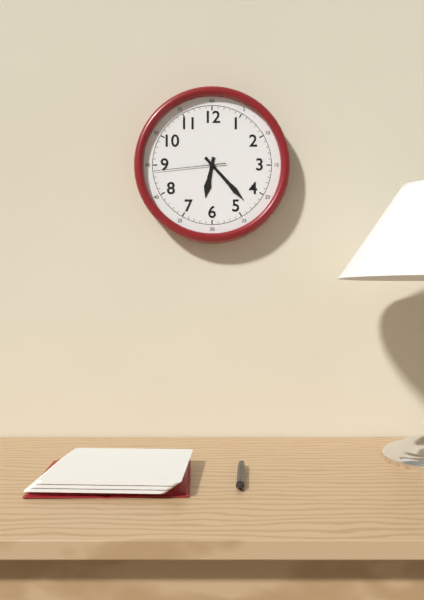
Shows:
6,23,44
